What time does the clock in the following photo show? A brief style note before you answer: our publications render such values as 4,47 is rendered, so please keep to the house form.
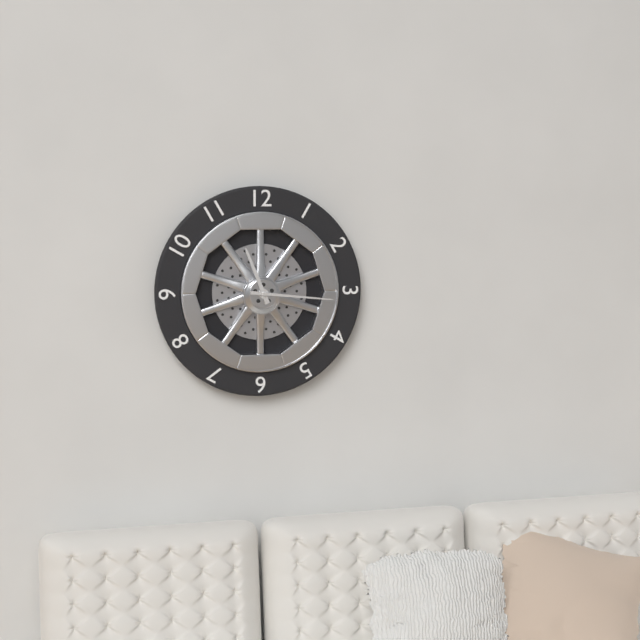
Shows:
11,16
